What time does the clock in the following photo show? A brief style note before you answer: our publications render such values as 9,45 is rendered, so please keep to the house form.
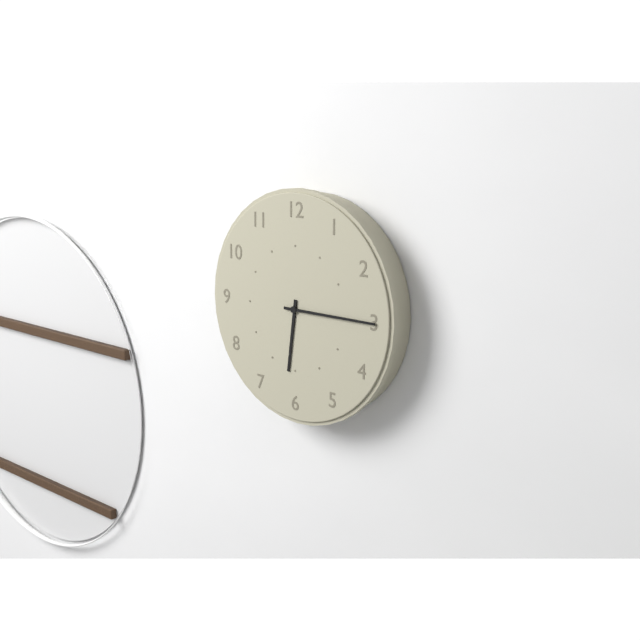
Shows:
6,15
